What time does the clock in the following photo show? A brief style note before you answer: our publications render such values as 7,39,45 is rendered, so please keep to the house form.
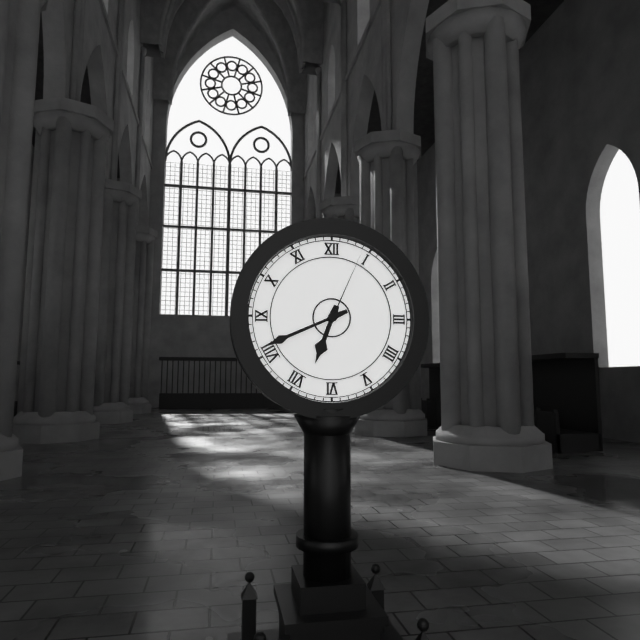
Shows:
6,41,04
